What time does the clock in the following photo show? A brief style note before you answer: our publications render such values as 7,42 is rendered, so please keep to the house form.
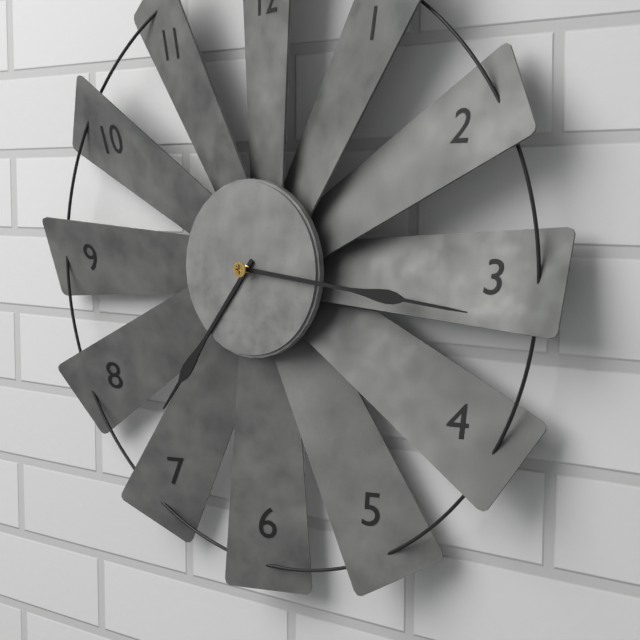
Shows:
7,16
